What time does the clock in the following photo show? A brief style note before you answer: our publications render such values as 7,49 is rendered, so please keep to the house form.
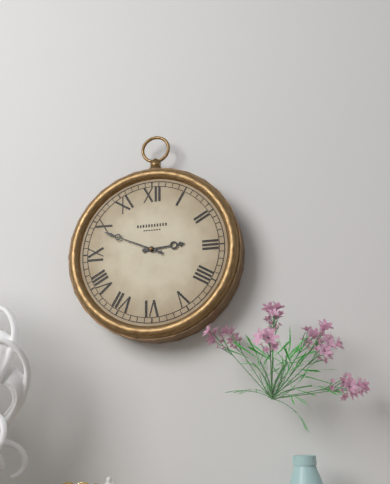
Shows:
2,49
